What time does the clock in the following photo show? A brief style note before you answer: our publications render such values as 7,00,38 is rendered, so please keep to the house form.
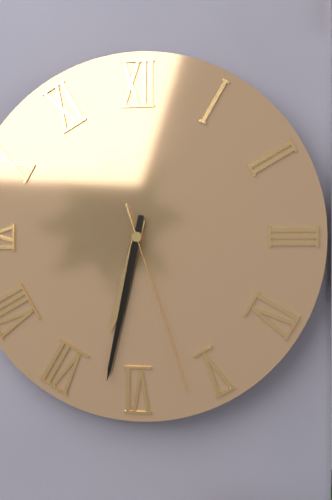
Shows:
6,32,27
